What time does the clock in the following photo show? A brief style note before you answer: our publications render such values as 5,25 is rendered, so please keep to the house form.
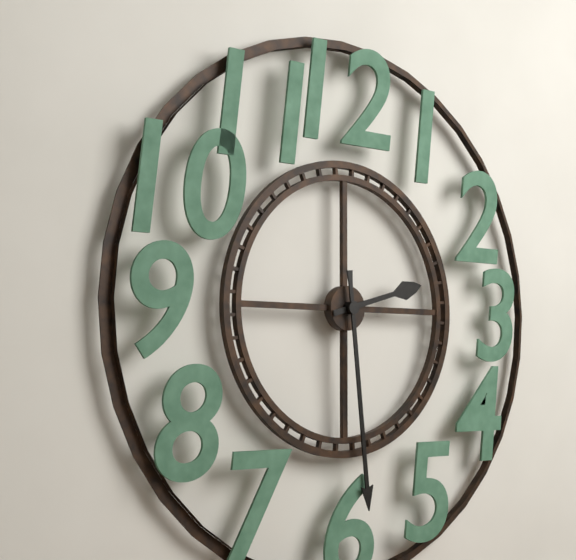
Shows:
2,29
